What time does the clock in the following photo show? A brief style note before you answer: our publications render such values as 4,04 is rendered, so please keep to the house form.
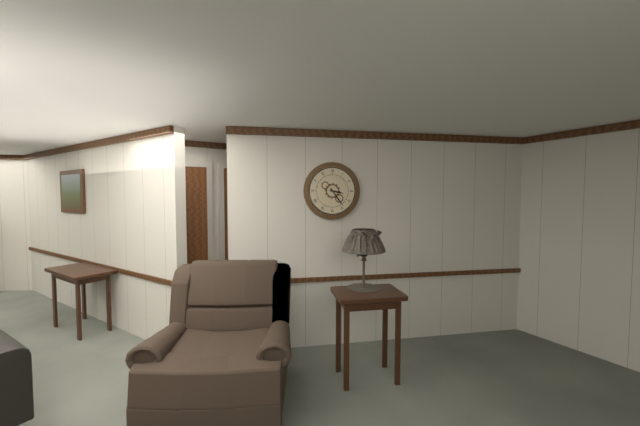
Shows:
3,24
